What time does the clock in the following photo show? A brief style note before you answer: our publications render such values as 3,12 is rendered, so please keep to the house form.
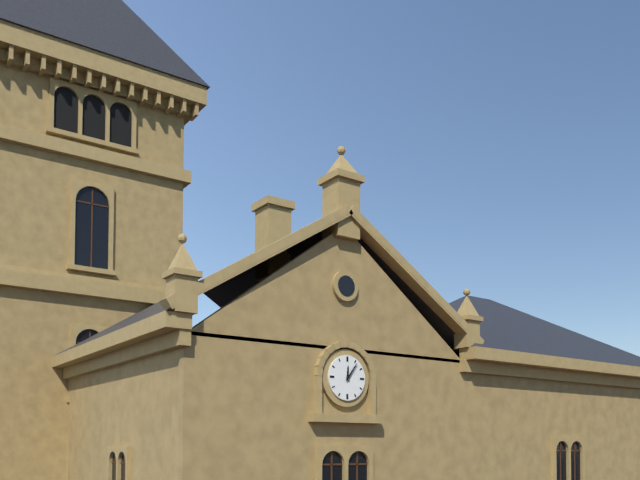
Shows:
12,06
